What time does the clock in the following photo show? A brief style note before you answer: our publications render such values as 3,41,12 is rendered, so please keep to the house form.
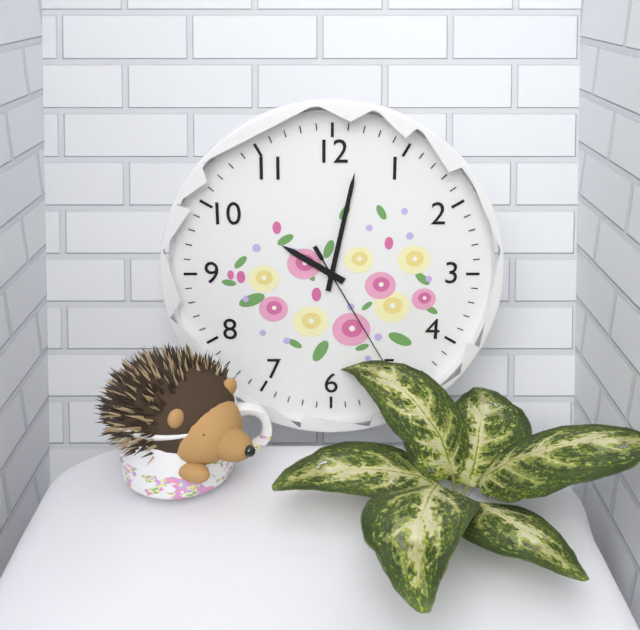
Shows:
10,02,25
